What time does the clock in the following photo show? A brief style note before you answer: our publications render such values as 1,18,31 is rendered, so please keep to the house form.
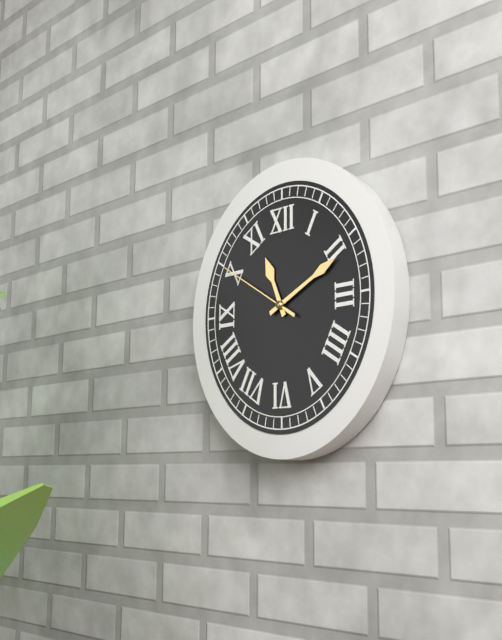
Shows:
11,11,50
